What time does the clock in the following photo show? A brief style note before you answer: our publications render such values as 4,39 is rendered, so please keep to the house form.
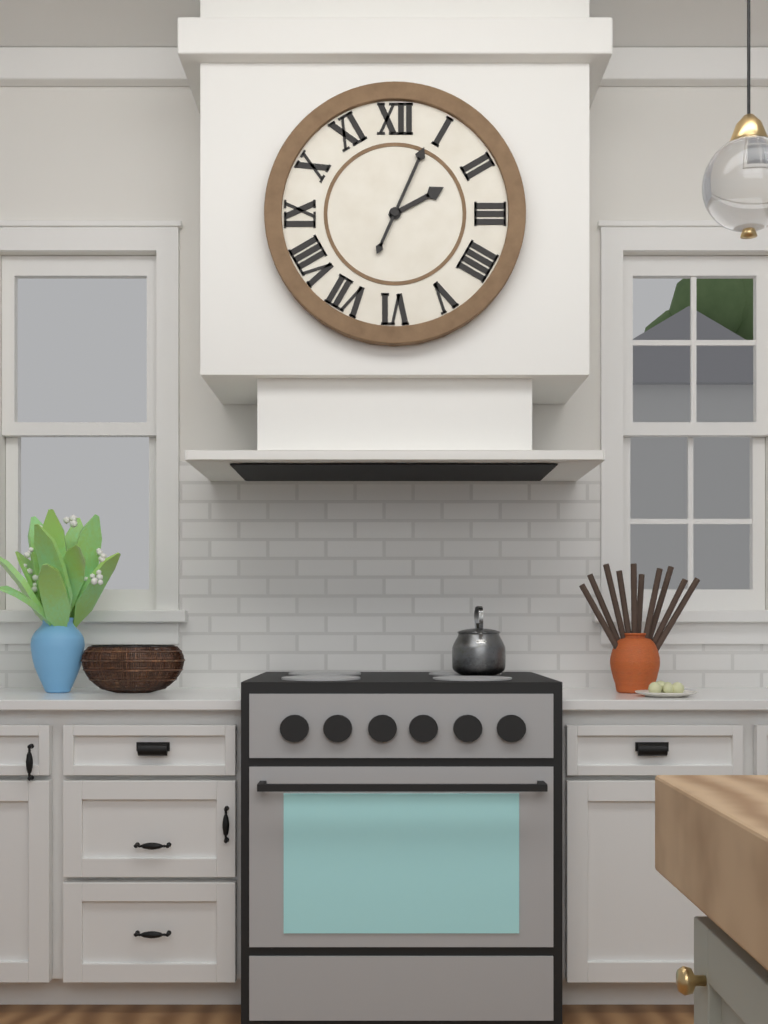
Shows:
2,04
